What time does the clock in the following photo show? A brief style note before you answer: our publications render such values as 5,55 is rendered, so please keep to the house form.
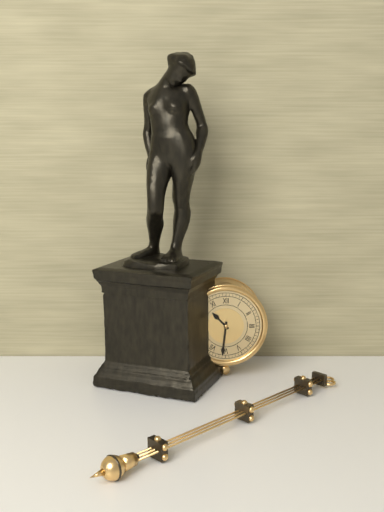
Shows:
10,31
